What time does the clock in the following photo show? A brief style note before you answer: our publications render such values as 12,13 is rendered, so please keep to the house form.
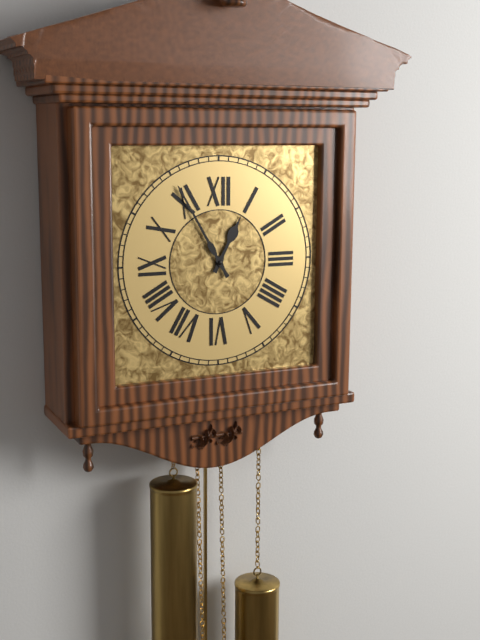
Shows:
12,55
